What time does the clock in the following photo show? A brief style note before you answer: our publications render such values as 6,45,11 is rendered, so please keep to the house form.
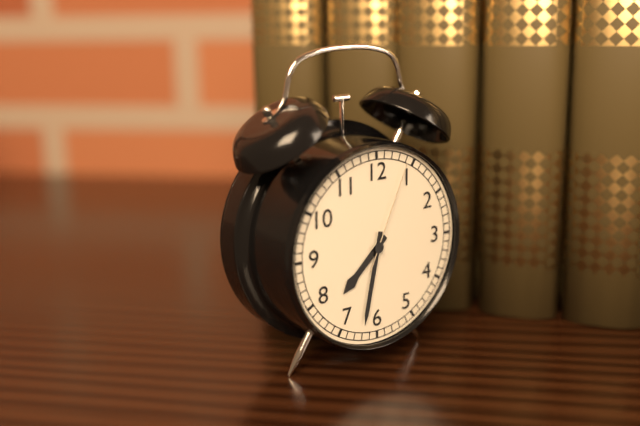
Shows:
7,32,04
